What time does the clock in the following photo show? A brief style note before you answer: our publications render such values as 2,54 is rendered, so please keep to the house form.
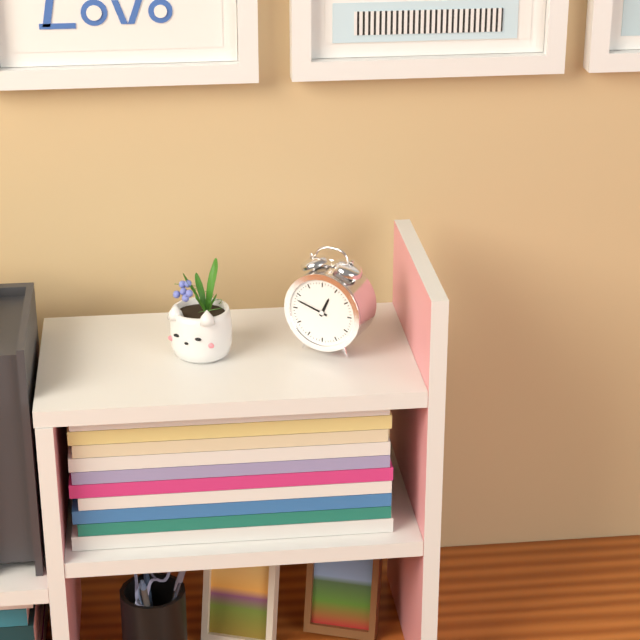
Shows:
12,48
